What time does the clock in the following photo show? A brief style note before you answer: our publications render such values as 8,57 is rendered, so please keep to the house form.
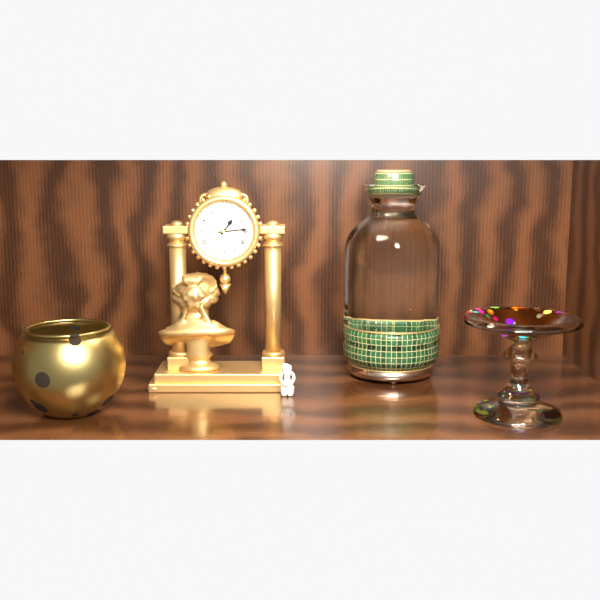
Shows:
1,14
